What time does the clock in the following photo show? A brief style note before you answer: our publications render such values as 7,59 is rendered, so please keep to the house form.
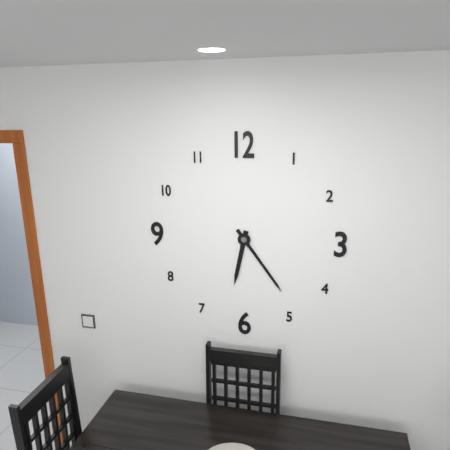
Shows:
6,24
